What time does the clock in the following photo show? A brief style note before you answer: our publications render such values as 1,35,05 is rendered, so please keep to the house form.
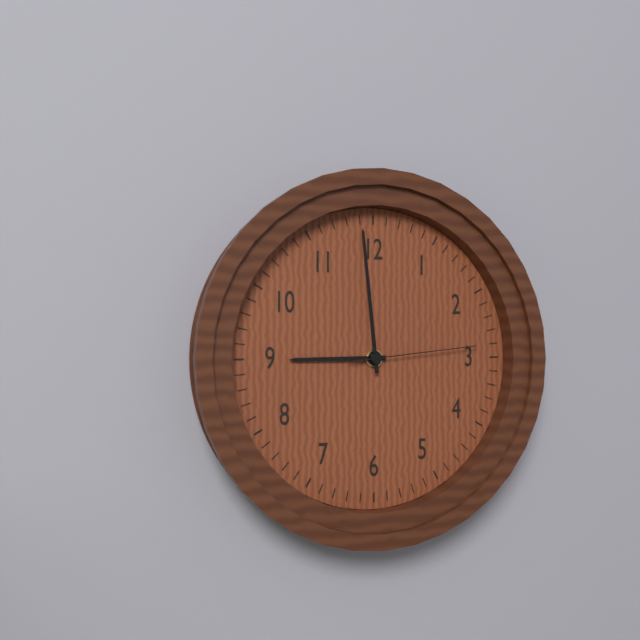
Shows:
8,59,14
